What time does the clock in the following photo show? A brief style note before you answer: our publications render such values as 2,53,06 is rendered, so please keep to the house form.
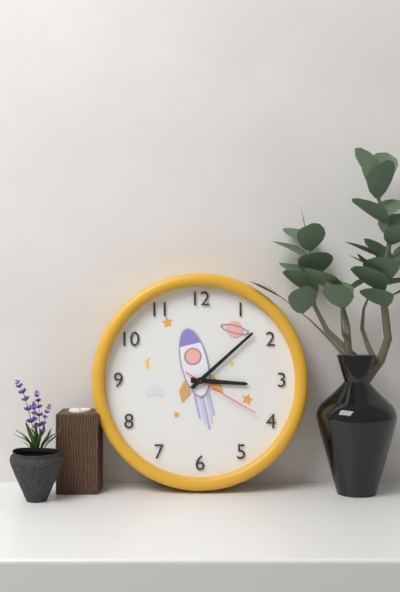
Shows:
3,08,20
